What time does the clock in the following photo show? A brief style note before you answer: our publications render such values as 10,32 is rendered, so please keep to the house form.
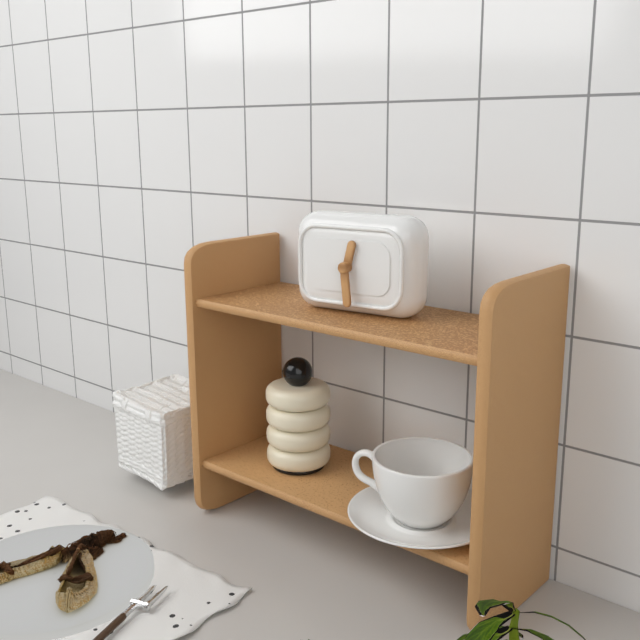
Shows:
12,29
